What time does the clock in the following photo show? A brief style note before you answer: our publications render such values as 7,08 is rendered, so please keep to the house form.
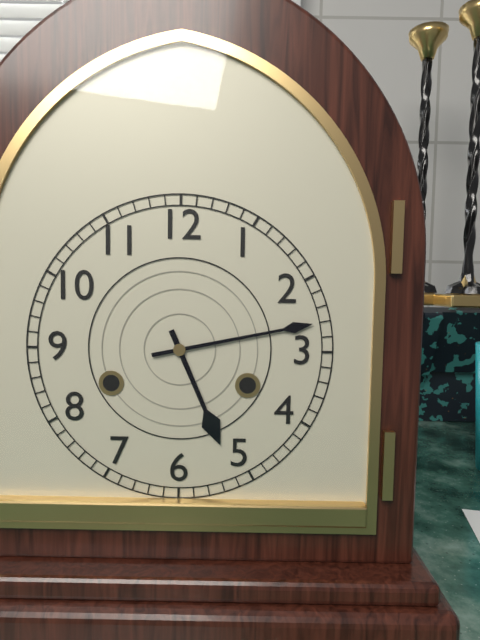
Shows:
5,13
